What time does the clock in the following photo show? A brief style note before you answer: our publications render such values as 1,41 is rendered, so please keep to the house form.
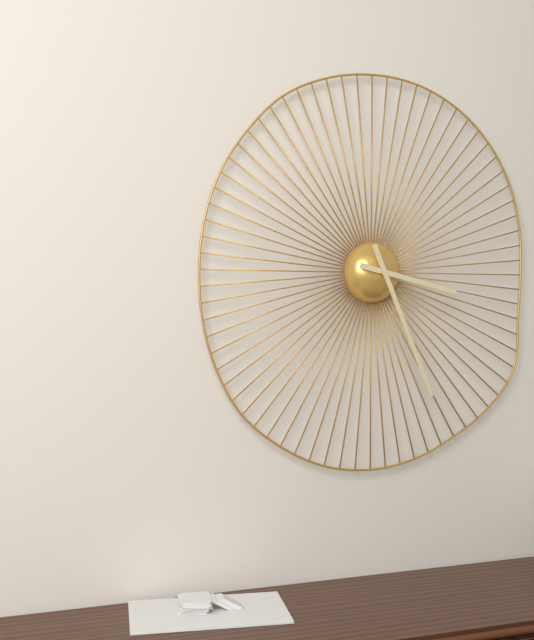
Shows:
3,26
